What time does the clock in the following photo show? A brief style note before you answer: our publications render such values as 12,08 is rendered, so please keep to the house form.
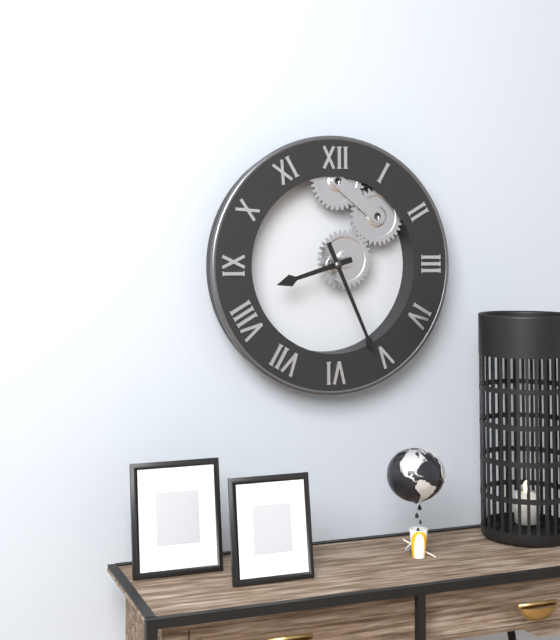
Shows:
8,26
